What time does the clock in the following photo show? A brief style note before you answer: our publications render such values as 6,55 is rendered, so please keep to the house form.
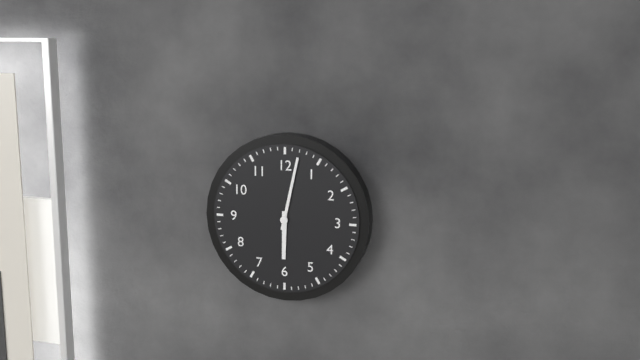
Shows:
6,02
